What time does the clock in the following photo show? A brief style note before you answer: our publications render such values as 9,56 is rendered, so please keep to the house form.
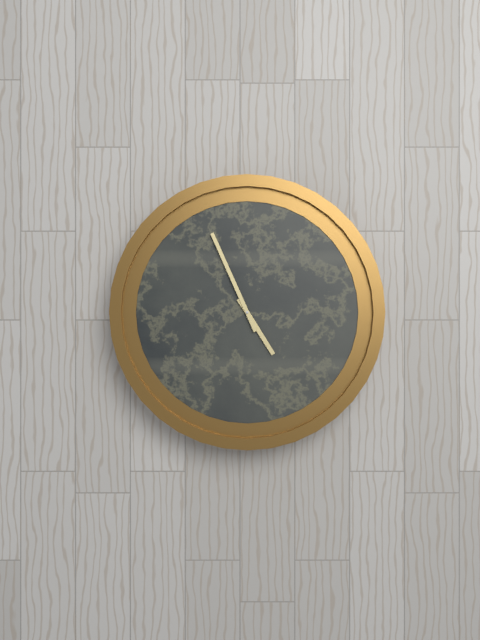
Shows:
4,56
